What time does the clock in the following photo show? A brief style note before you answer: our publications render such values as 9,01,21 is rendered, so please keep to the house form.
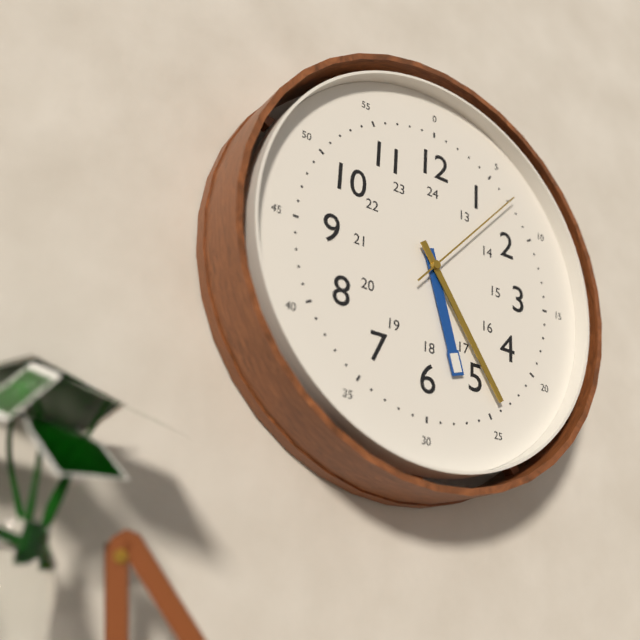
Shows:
5,24,07
